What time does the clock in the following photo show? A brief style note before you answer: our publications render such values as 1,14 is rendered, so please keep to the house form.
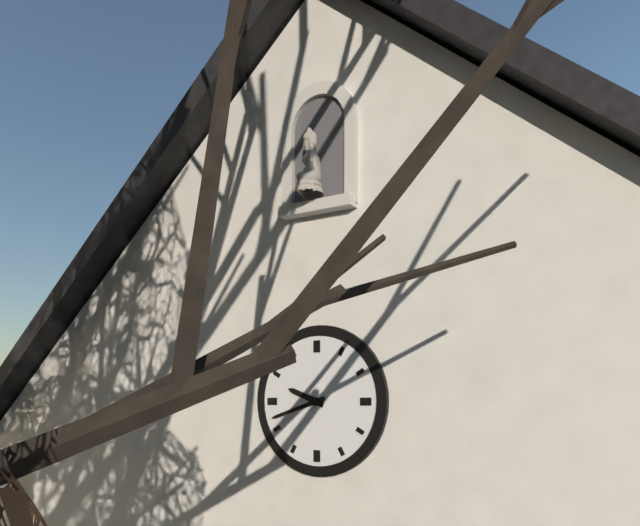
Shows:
9,42
